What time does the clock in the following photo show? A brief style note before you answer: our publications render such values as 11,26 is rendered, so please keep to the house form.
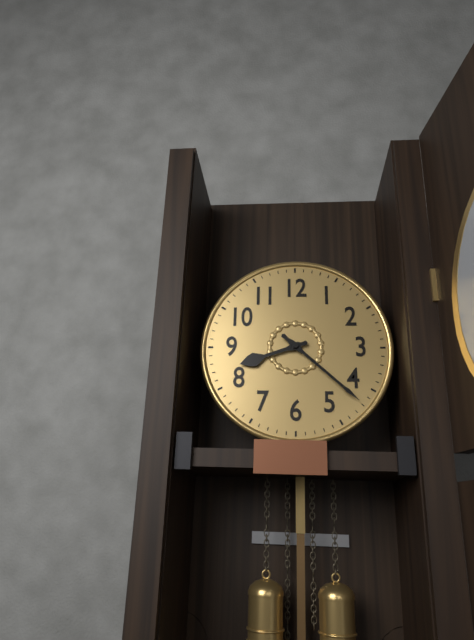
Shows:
8,22
